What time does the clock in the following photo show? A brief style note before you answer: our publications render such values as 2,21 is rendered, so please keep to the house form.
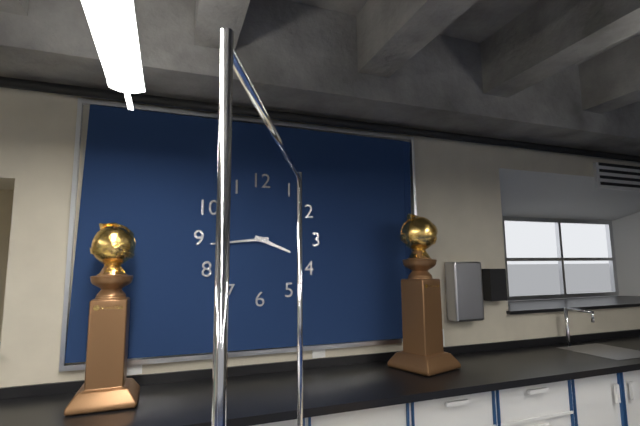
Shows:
3,44
